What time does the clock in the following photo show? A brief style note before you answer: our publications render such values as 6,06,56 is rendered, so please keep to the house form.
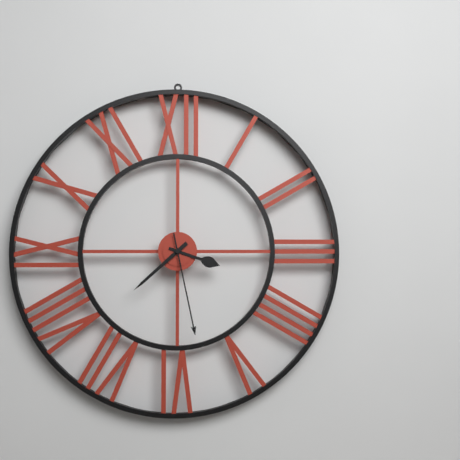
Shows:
3,38,28
